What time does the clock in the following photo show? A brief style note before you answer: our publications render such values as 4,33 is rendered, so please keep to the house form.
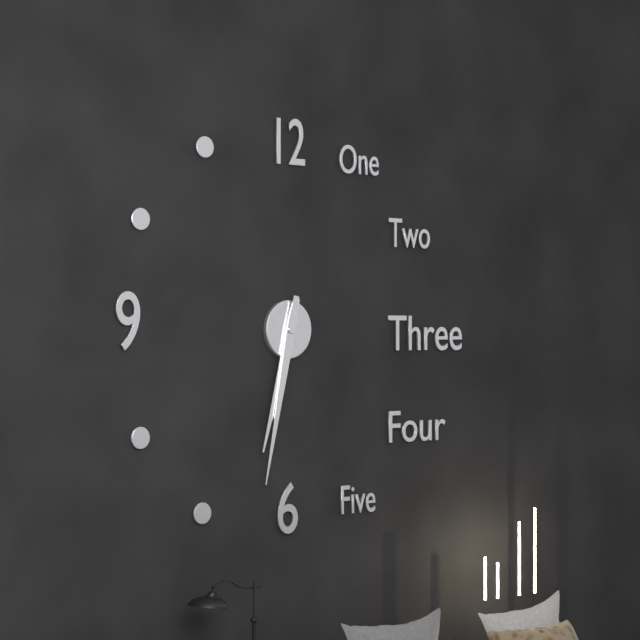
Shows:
6,32
